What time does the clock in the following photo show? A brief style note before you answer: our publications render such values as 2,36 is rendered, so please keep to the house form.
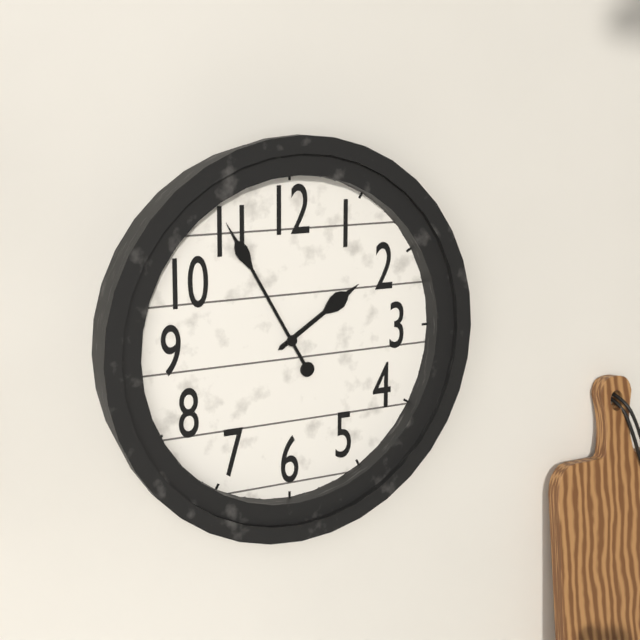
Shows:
1,55
